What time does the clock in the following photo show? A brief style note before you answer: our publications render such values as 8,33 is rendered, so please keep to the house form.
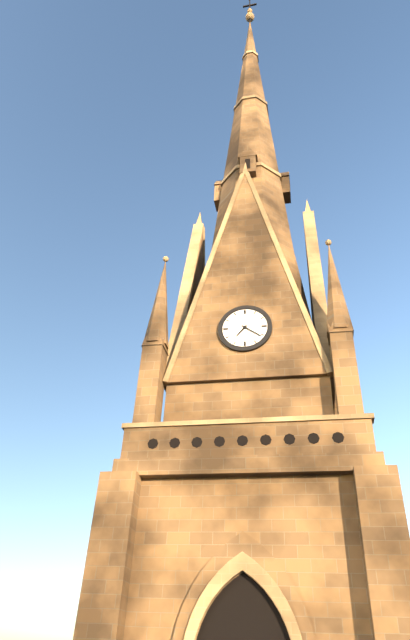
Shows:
7,21
